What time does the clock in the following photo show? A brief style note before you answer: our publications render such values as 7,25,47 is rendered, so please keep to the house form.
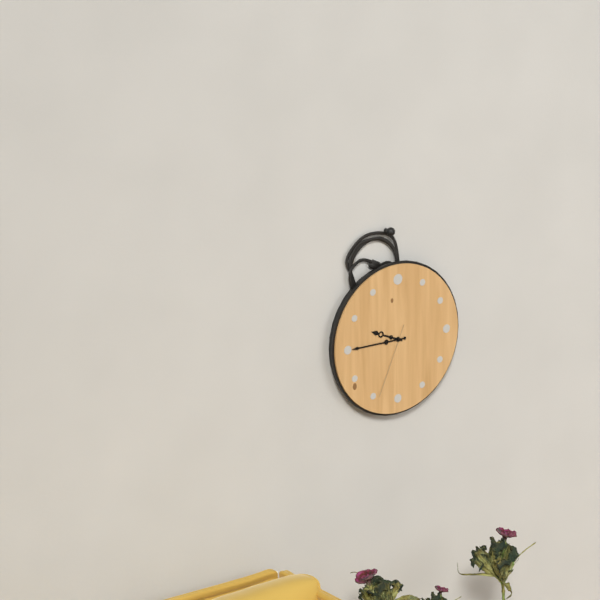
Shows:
9,45,34
